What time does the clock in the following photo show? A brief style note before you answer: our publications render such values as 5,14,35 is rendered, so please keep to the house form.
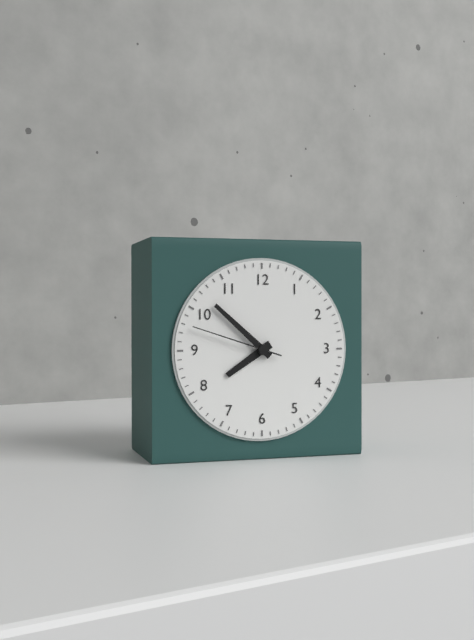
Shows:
7,52,48
